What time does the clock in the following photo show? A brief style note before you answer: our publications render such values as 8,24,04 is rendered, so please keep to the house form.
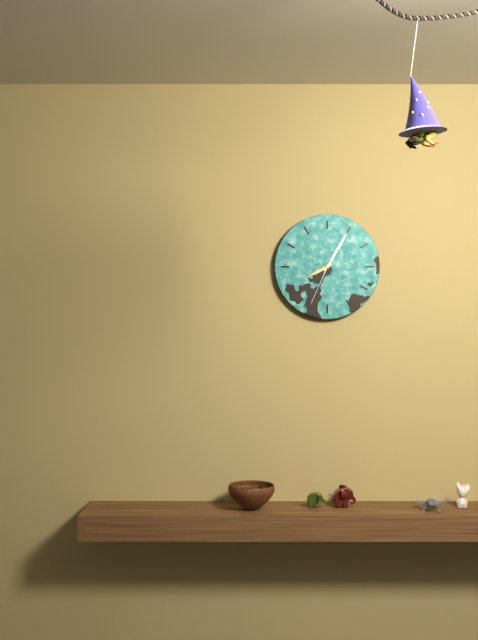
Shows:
8,05,34
